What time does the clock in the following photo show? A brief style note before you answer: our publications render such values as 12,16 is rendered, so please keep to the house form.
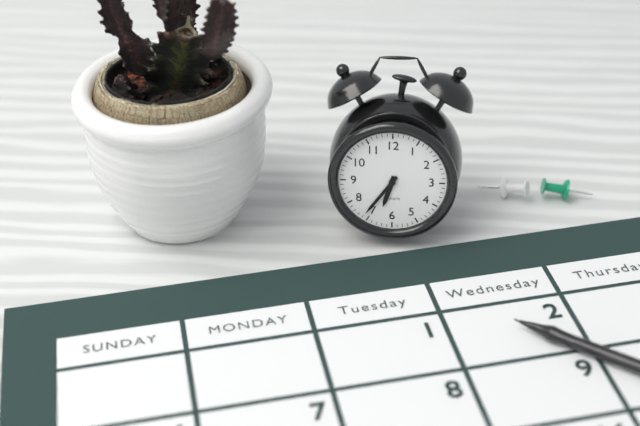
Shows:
6,36
